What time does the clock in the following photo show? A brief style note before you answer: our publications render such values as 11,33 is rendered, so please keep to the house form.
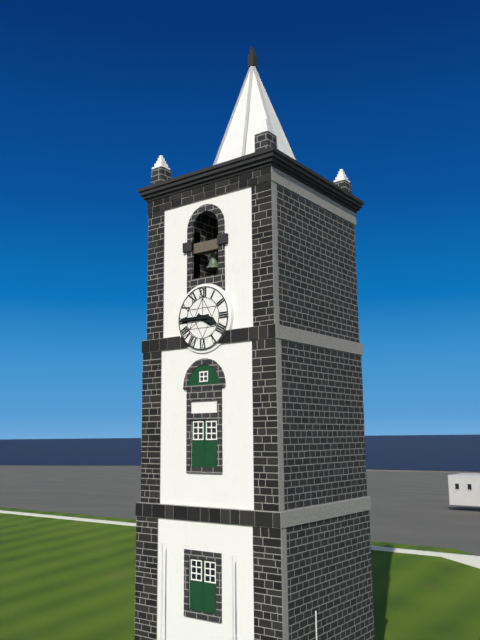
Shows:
3,45
